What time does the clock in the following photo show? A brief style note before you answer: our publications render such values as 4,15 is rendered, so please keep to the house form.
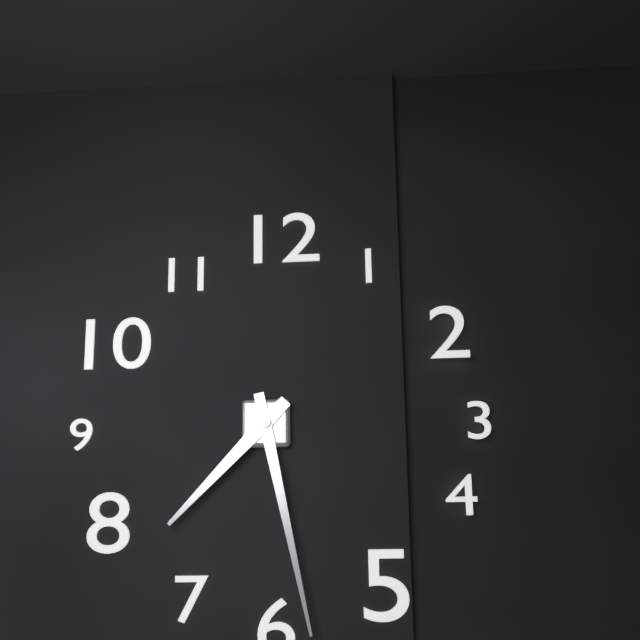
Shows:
7,28
